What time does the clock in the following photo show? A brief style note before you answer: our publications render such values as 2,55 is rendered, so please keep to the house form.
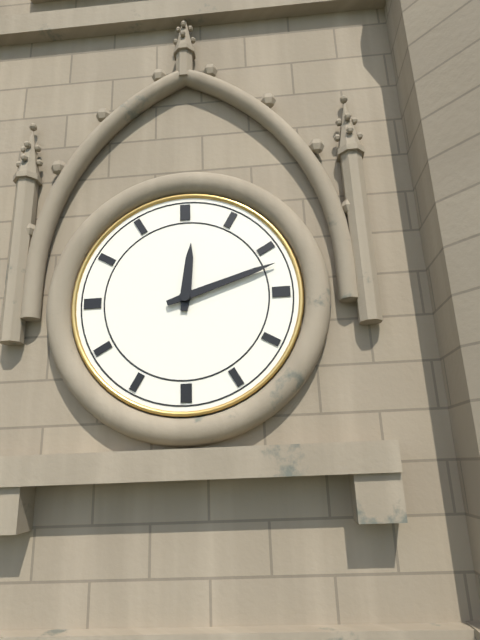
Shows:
12,12
